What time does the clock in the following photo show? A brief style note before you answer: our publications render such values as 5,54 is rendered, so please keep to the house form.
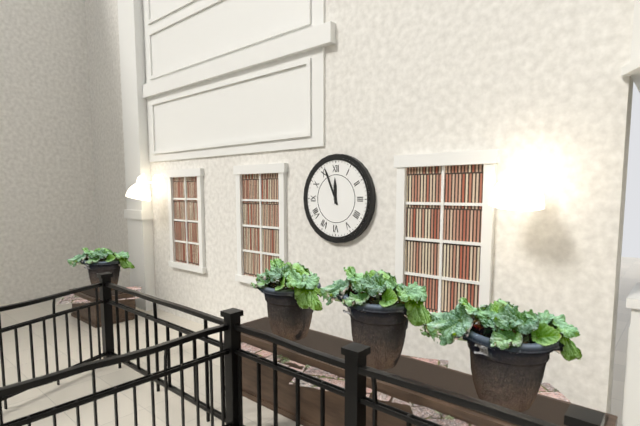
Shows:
11,56
